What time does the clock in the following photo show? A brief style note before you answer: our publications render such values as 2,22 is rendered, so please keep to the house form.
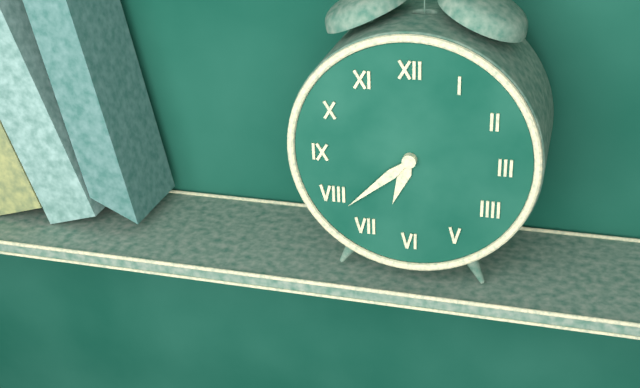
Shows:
6,38
